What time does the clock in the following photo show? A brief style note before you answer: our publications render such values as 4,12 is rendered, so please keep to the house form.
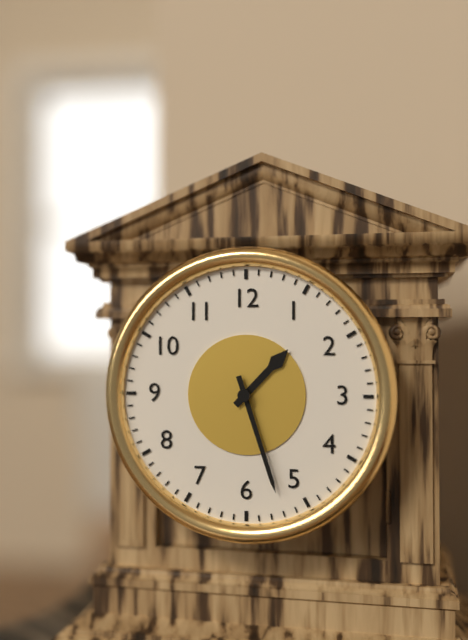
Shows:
1,27
